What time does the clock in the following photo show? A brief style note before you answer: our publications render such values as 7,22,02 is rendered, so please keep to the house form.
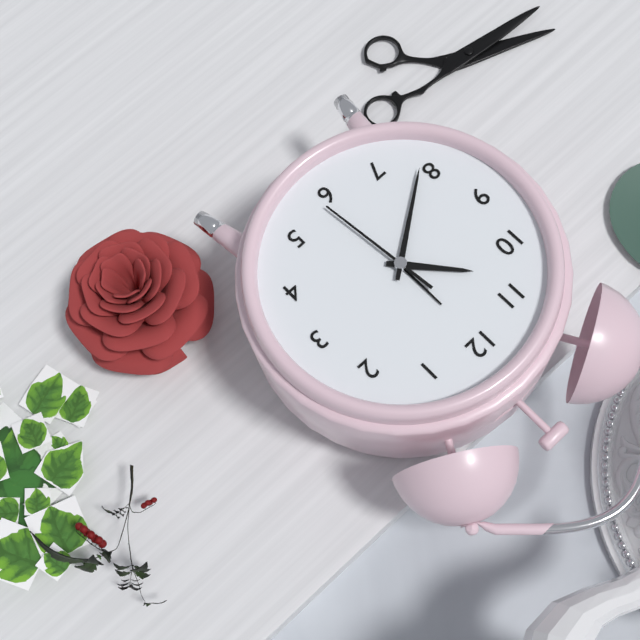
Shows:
10,39,29
